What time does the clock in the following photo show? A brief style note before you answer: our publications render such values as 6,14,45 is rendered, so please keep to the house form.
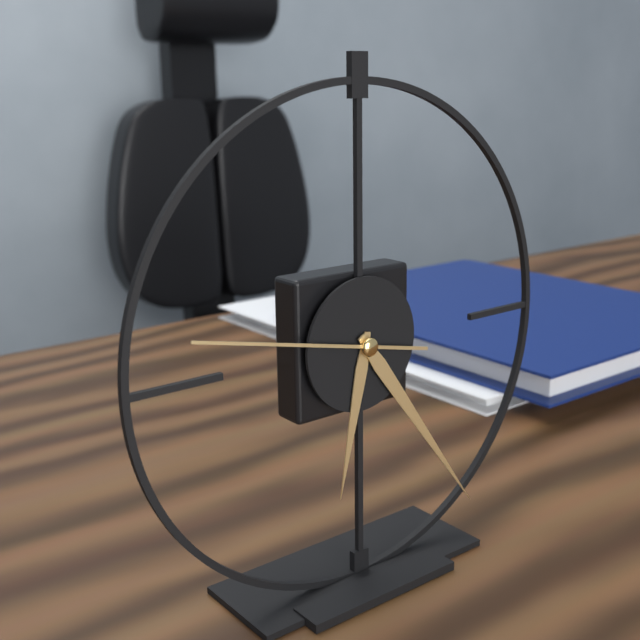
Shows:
6,24,47
